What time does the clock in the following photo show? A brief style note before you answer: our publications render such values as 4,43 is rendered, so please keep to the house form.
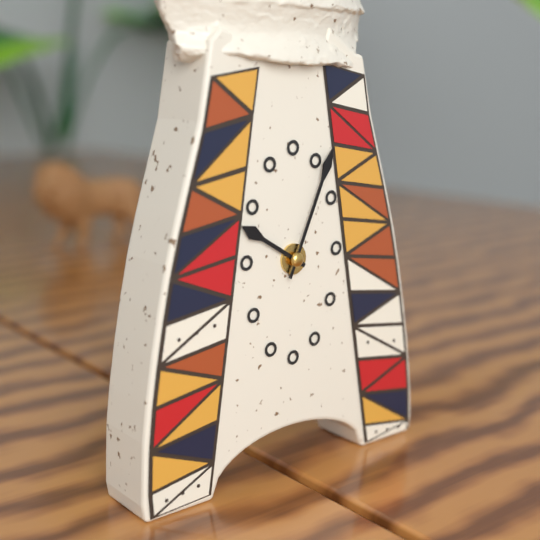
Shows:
10,04
